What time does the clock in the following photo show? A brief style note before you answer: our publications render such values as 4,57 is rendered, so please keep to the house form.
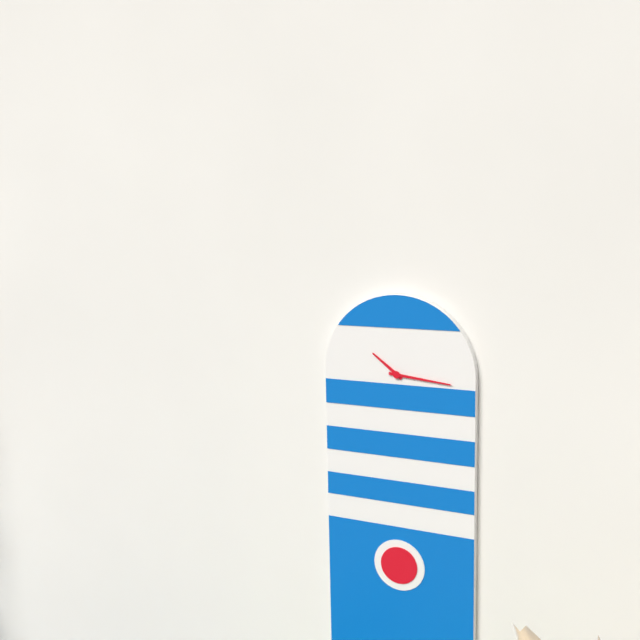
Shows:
10,16
